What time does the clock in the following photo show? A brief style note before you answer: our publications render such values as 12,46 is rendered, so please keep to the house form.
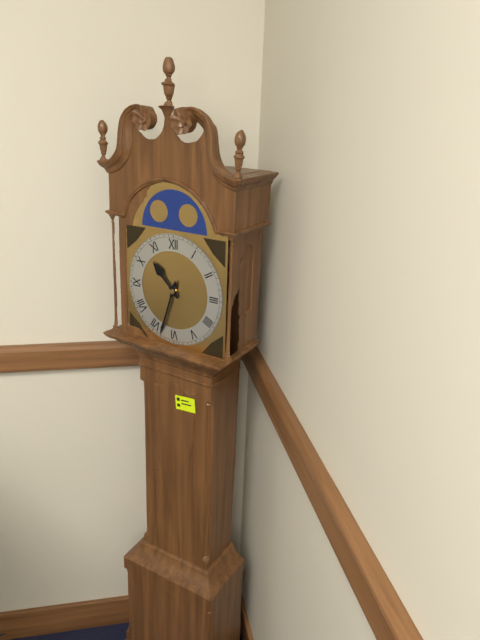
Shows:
10,33
